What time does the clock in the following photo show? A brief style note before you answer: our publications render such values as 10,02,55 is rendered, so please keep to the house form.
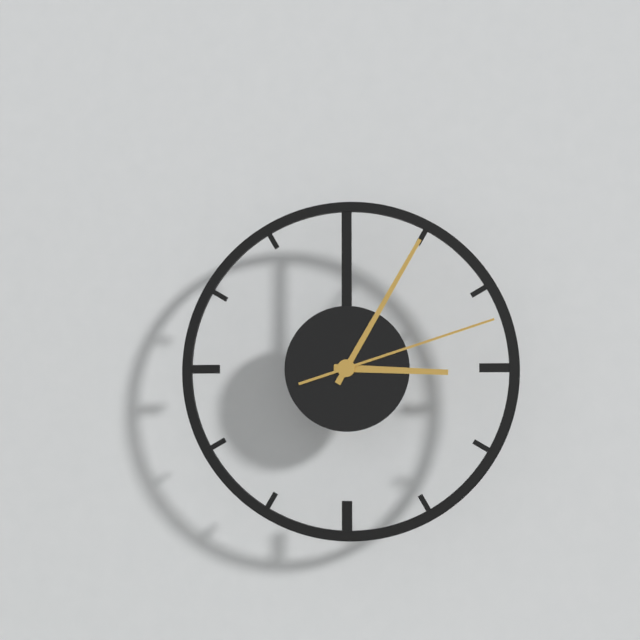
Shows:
3,05,12
